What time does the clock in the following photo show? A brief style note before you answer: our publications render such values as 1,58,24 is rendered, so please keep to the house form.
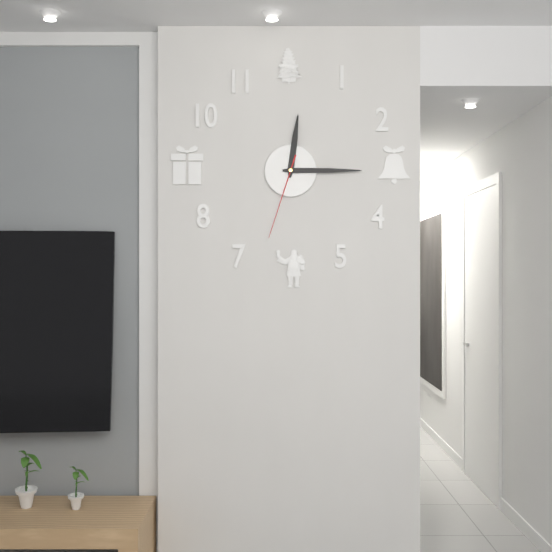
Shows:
12,15,33
